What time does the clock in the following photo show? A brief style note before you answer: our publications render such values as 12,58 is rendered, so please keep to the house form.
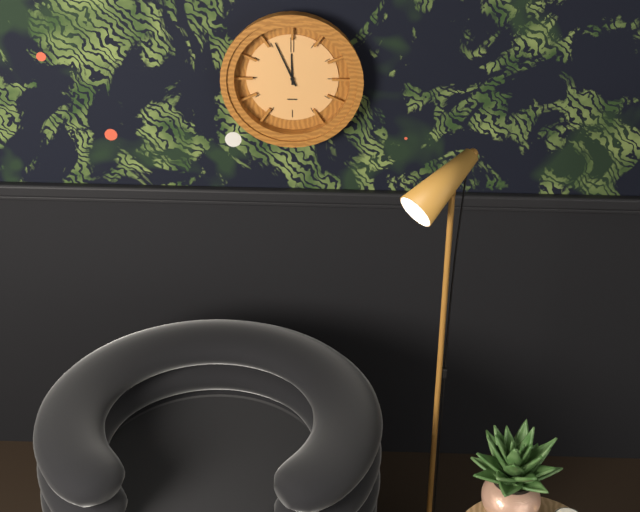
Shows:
11,56
